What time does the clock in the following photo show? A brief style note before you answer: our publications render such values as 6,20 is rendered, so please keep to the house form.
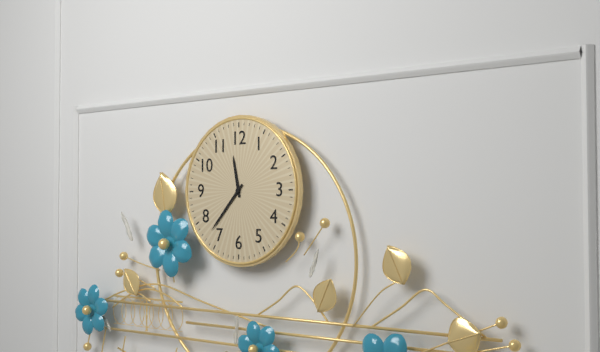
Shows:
11,37
